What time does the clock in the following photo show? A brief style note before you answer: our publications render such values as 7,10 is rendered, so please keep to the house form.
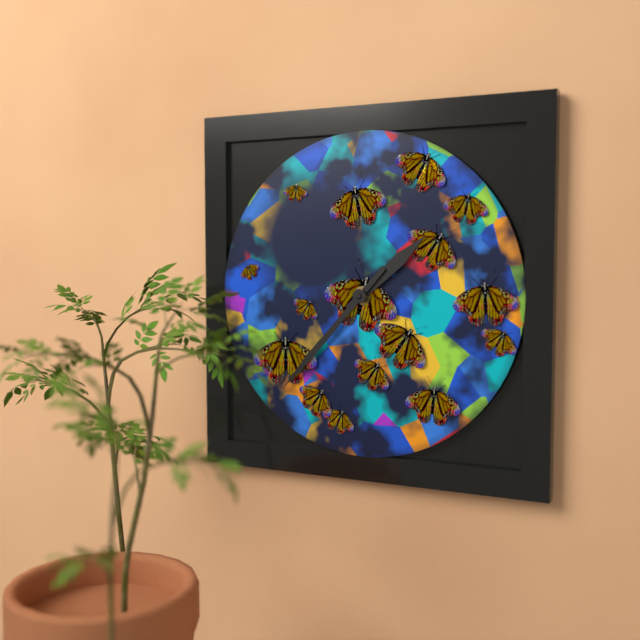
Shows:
1,37
